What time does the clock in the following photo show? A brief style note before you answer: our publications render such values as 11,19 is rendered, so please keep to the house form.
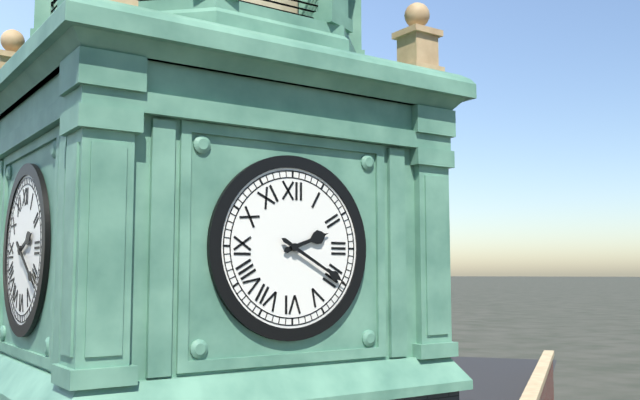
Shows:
2,20
